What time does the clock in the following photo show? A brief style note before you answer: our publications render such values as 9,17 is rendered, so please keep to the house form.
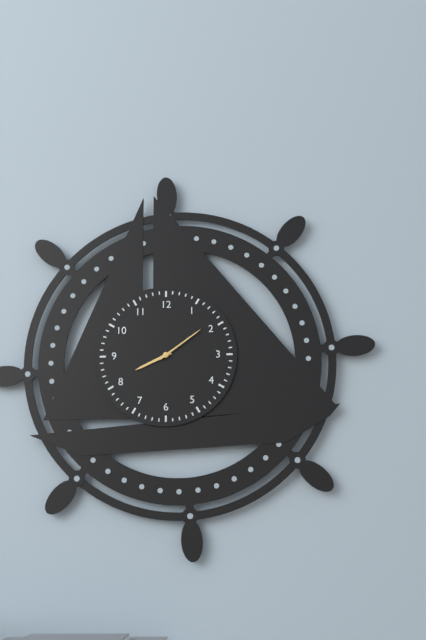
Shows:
8,09
